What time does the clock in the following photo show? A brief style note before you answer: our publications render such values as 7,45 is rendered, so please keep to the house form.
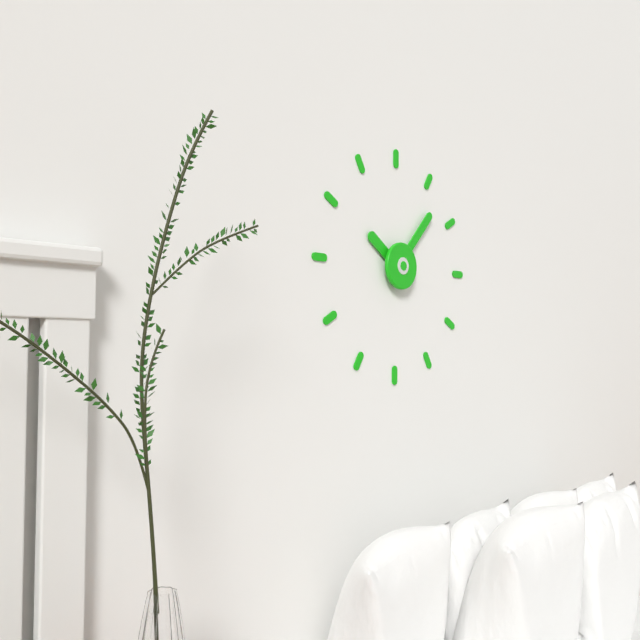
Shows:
10,07
